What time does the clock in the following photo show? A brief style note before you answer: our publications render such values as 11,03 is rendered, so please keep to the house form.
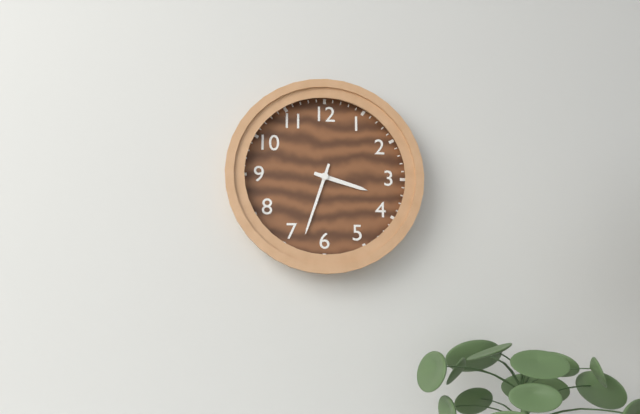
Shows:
3,33
